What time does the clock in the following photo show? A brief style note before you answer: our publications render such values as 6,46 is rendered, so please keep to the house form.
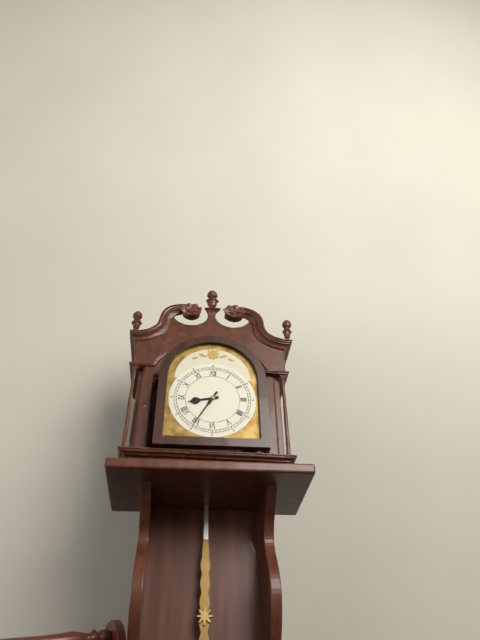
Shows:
8,35
